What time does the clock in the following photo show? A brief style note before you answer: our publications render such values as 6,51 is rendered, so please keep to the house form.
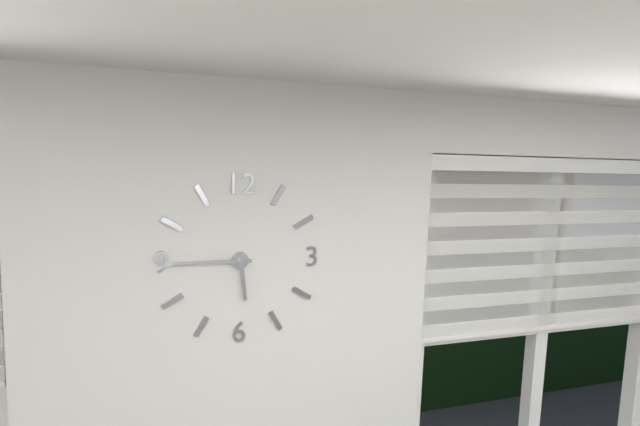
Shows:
5,45
